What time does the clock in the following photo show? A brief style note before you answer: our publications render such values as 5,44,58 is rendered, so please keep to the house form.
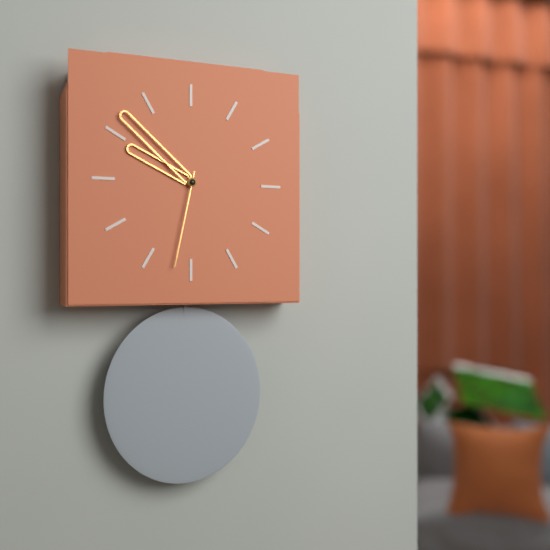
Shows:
9,52,32
